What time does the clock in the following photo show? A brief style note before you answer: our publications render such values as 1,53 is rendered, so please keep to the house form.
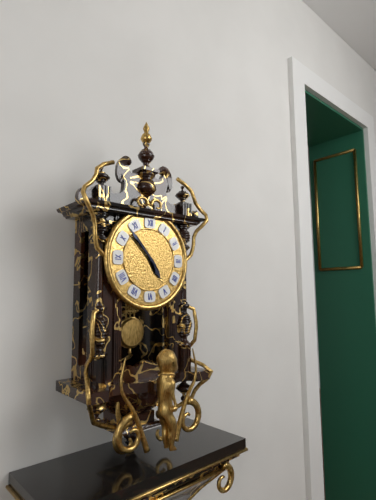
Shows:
4,53
